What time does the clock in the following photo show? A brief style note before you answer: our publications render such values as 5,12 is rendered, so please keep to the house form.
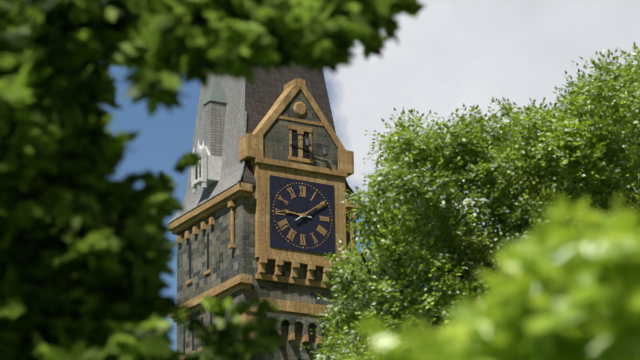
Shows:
9,09
